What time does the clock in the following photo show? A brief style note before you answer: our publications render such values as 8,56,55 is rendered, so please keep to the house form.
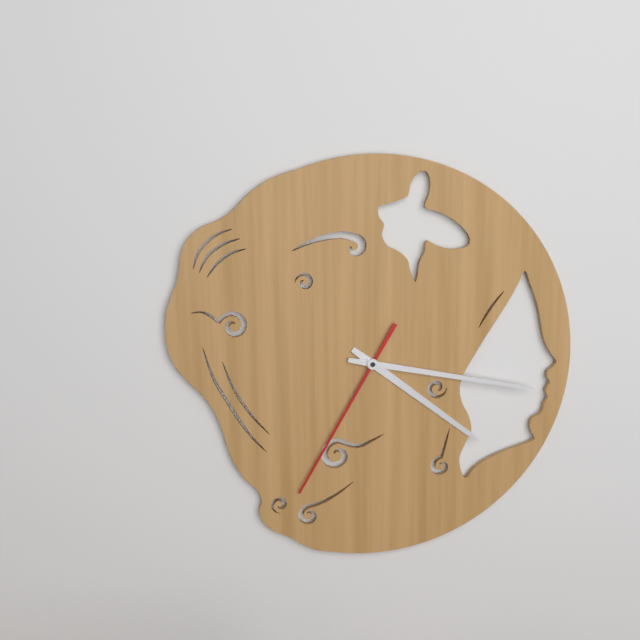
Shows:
4,17,35
